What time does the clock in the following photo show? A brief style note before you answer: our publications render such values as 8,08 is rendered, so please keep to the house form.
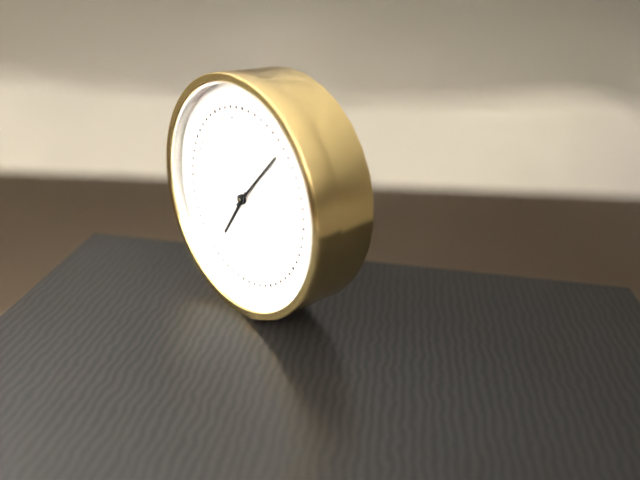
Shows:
7,07
